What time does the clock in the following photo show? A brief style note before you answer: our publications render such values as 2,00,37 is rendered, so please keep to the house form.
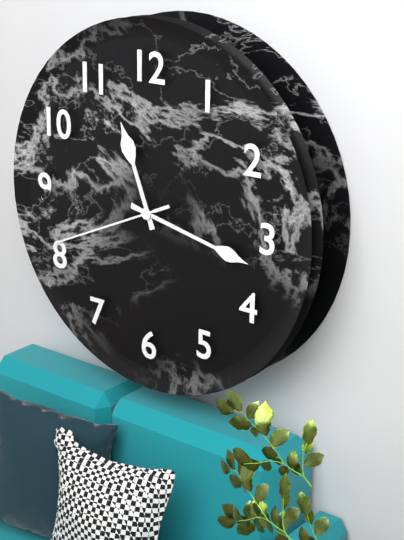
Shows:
11,17,41
